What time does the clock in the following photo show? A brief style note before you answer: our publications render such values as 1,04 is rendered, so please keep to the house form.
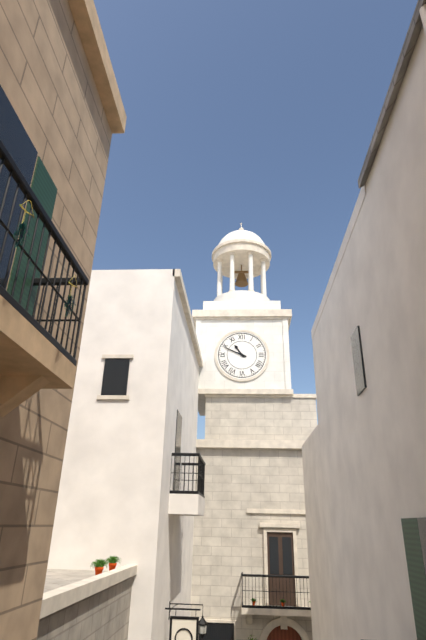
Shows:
10,49
